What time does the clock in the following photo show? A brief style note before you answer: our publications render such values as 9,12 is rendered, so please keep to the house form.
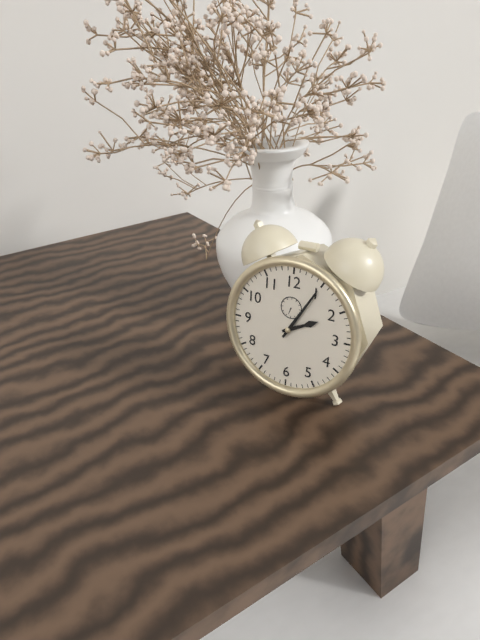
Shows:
2,05
